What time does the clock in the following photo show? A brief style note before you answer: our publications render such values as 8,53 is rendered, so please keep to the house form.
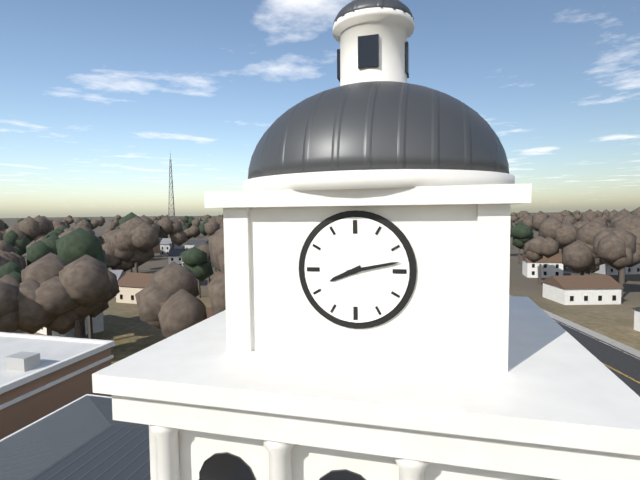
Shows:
8,13
